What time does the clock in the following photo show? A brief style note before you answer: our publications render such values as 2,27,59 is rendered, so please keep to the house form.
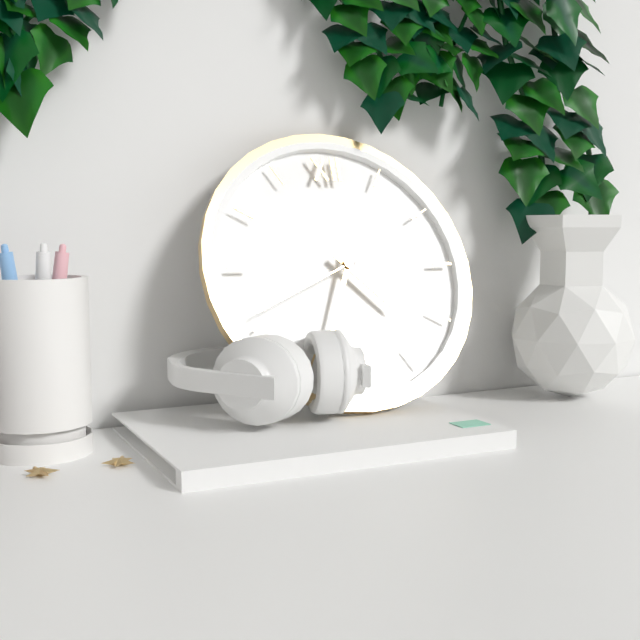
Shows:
4,34,41
